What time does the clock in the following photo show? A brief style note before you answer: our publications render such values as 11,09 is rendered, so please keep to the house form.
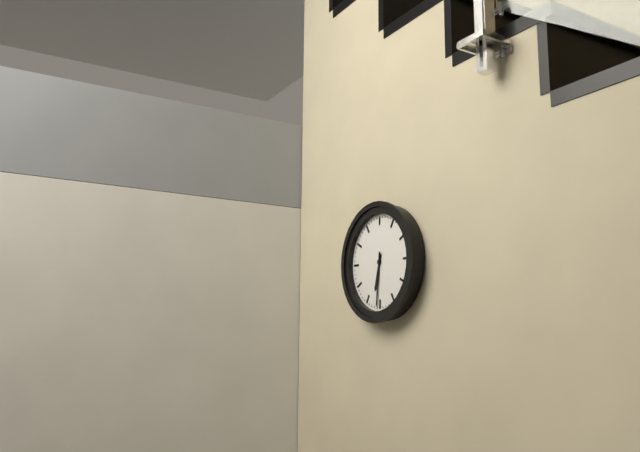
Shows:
6,31
